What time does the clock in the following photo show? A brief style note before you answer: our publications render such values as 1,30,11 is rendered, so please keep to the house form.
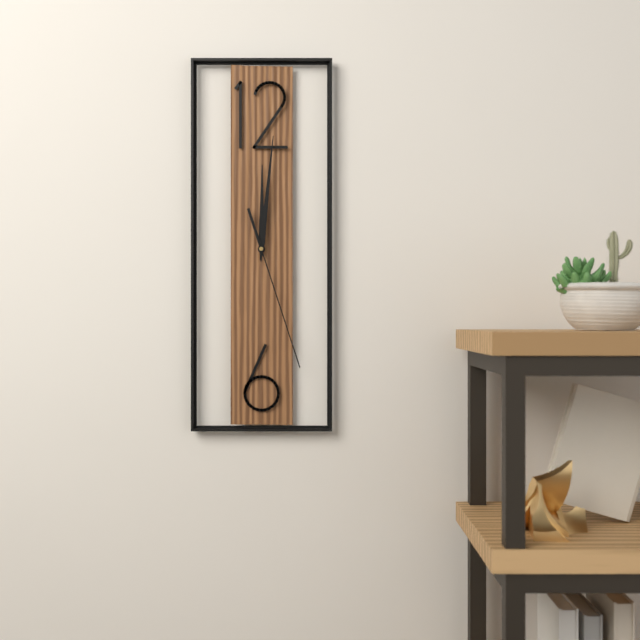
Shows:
12,01,27
